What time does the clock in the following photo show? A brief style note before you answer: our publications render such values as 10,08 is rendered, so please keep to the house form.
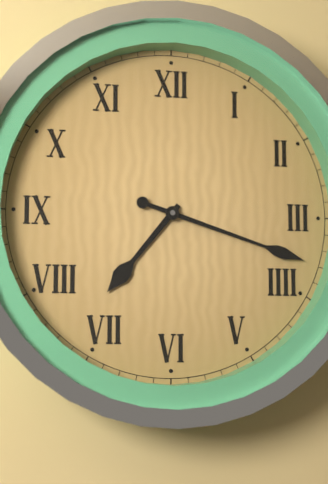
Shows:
7,18
